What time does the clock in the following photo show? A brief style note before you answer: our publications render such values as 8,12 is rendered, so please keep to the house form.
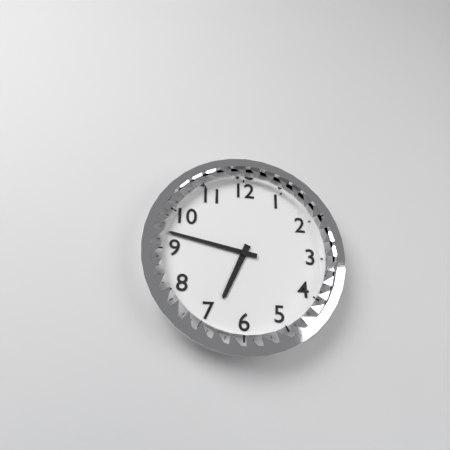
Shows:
6,47
